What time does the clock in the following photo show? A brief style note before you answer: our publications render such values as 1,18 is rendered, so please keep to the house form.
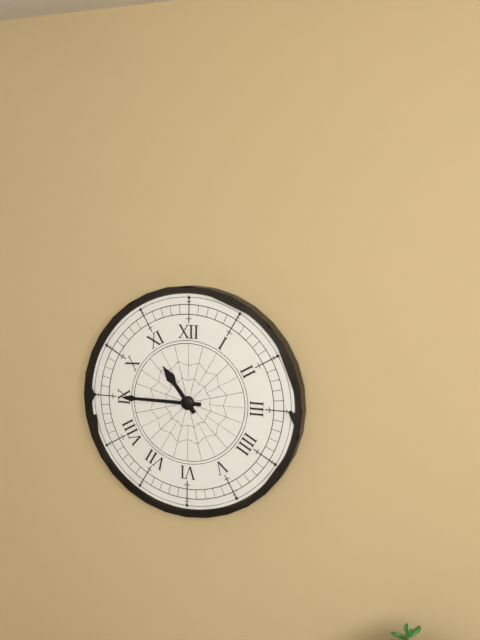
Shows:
10,45
